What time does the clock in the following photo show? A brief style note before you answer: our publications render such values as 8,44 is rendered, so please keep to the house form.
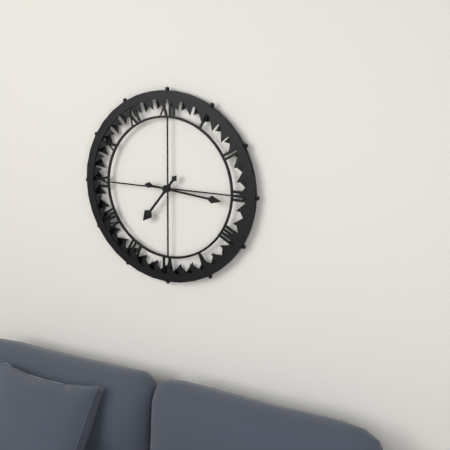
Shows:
7,16
